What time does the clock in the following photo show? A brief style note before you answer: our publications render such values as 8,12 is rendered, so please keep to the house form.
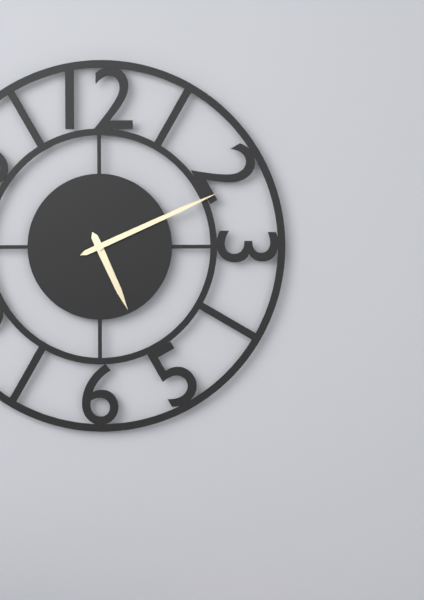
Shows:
5,11
